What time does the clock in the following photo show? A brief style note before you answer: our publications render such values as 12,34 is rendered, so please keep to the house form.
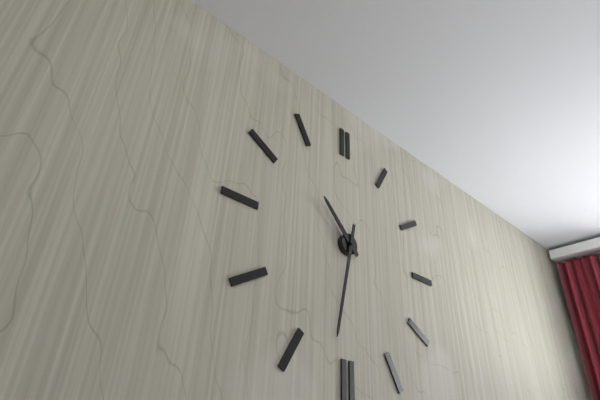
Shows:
10,32
